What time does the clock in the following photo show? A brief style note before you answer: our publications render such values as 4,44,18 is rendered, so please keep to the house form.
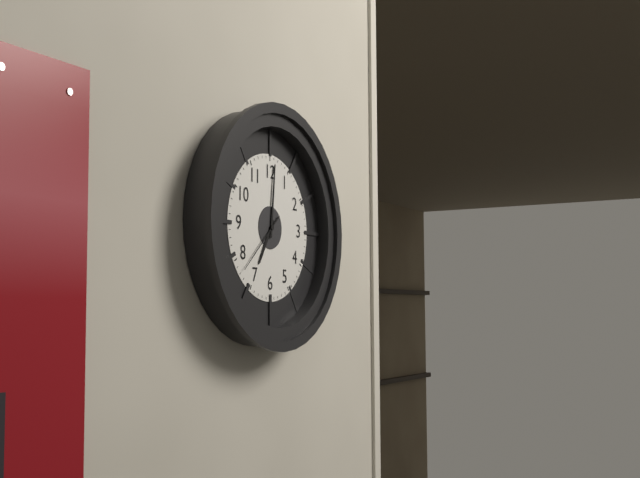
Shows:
7,01,38
